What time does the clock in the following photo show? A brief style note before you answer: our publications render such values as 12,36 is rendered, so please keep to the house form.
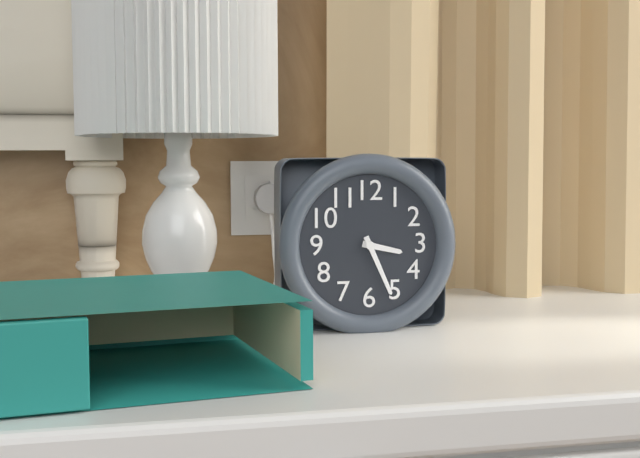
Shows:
3,26
